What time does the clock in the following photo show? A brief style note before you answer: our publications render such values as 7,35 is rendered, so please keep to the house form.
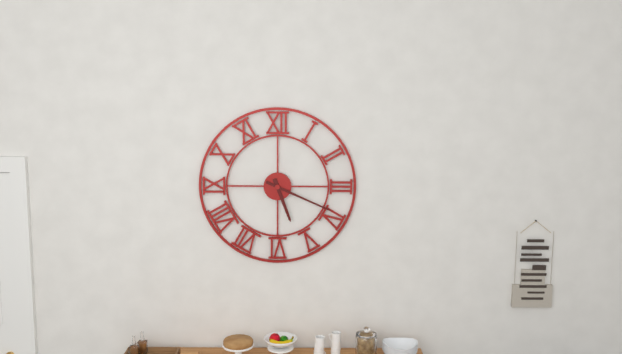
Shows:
5,19
